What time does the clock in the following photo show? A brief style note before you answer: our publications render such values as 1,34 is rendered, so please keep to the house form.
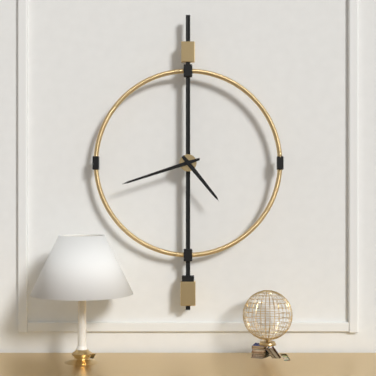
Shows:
4,42
